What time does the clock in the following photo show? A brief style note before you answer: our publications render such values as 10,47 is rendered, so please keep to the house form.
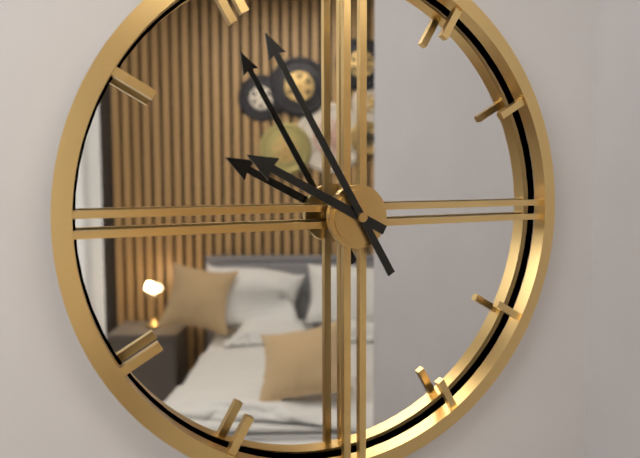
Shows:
9,55
